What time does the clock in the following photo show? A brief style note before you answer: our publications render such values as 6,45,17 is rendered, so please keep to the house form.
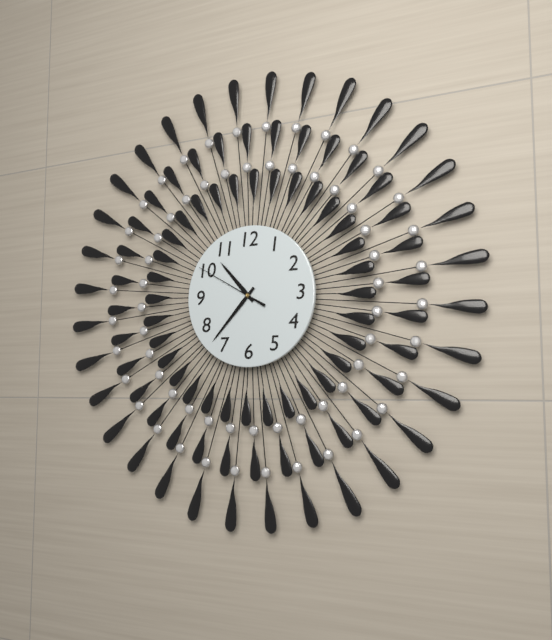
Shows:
10,37,50
